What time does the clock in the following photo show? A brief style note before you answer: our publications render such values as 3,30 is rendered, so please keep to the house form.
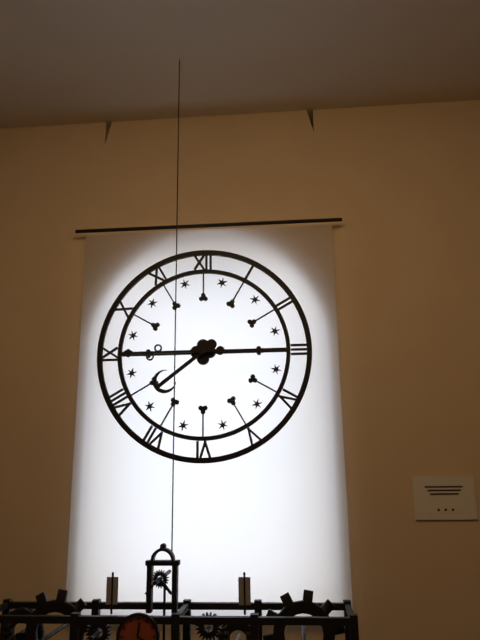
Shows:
7,45
